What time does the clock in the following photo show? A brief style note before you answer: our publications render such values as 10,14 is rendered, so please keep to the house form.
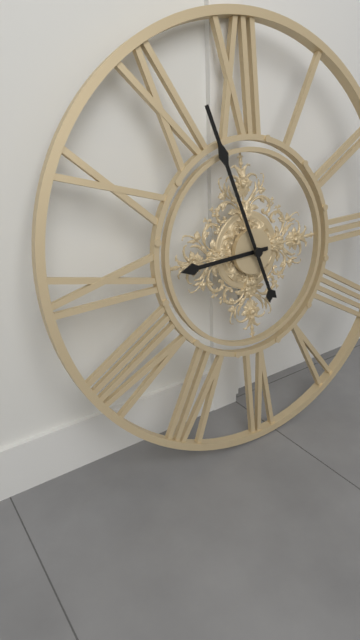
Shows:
8,57
